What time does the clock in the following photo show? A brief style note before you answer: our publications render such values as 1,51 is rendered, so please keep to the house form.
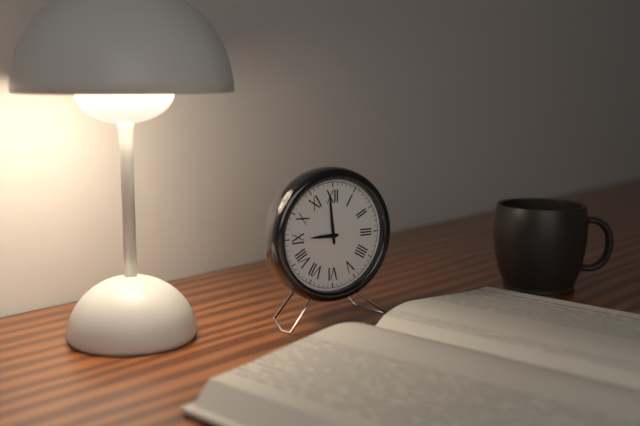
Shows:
8,59
